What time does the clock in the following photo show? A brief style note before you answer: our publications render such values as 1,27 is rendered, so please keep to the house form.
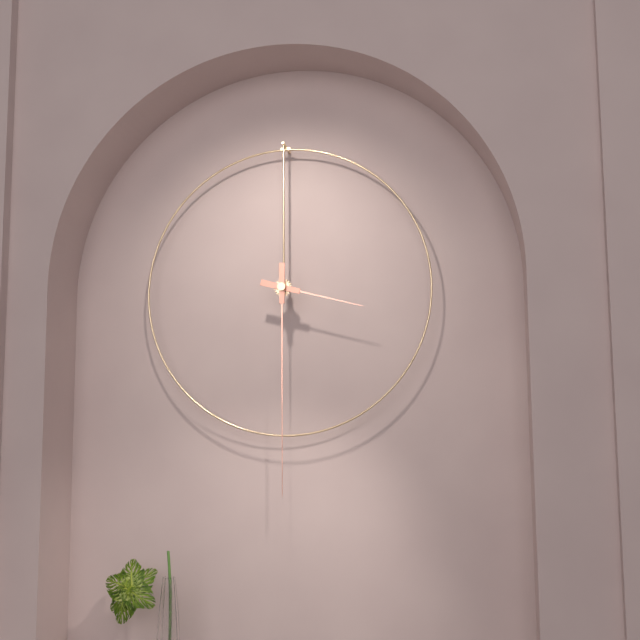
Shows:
3,30
